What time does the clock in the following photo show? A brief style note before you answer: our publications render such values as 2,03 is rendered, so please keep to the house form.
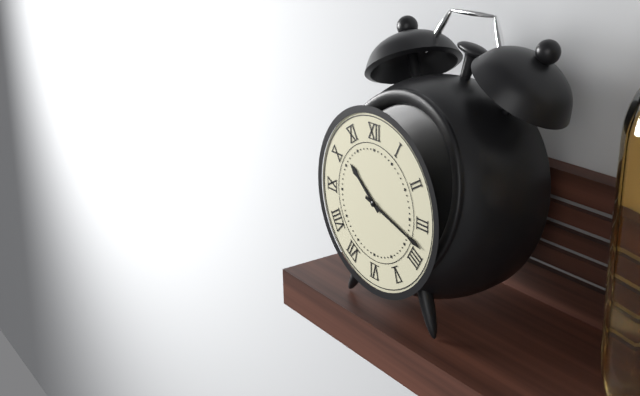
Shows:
10,18
